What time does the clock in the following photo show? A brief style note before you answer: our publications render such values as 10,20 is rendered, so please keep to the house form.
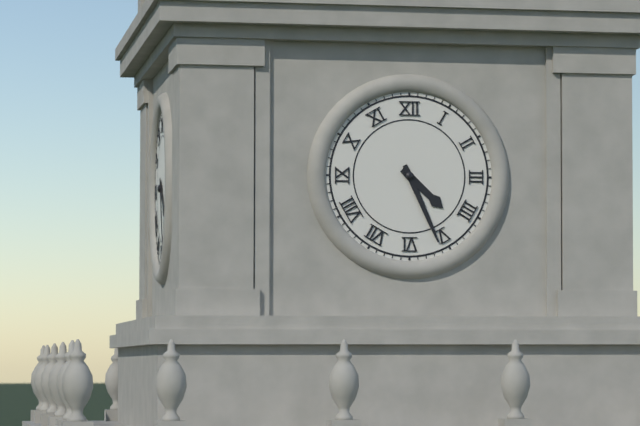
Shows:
4,26
